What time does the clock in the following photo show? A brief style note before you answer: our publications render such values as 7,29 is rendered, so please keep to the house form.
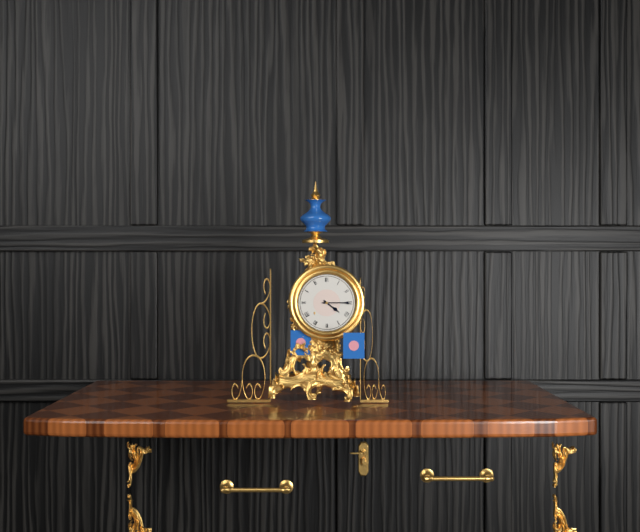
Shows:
4,15
